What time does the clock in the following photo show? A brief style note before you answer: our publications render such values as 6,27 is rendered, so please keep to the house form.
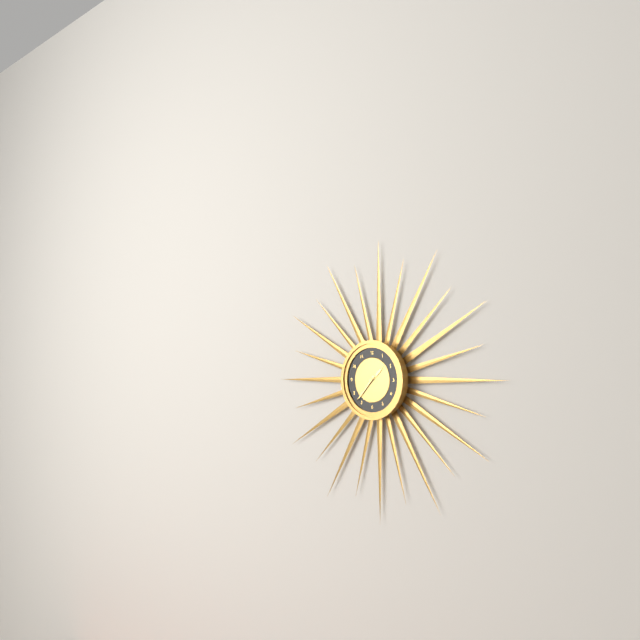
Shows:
1,37
